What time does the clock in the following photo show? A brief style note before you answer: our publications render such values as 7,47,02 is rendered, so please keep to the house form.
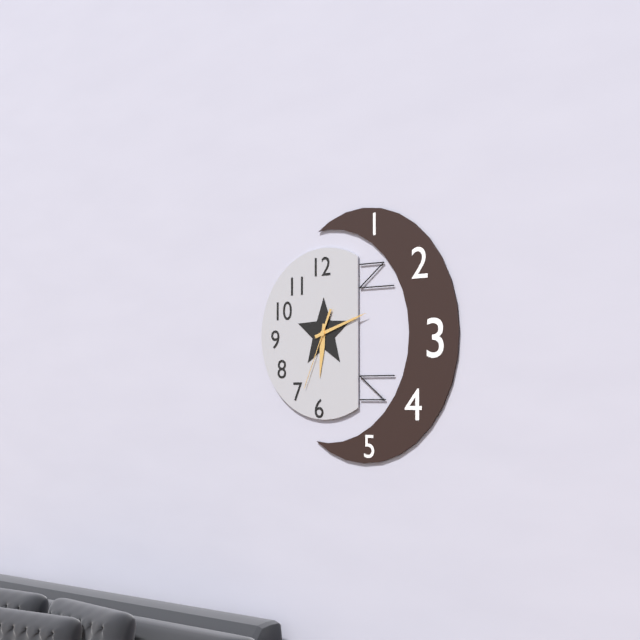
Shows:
6,12,34
